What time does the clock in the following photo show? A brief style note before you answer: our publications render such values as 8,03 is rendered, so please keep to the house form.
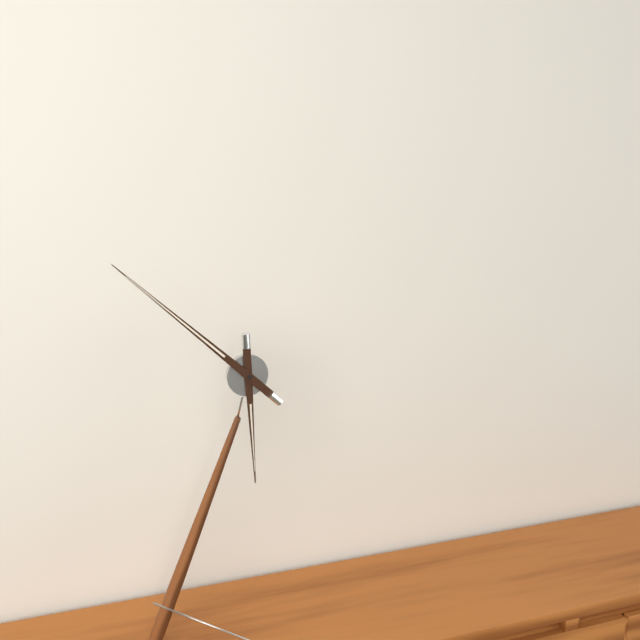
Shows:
5,52
